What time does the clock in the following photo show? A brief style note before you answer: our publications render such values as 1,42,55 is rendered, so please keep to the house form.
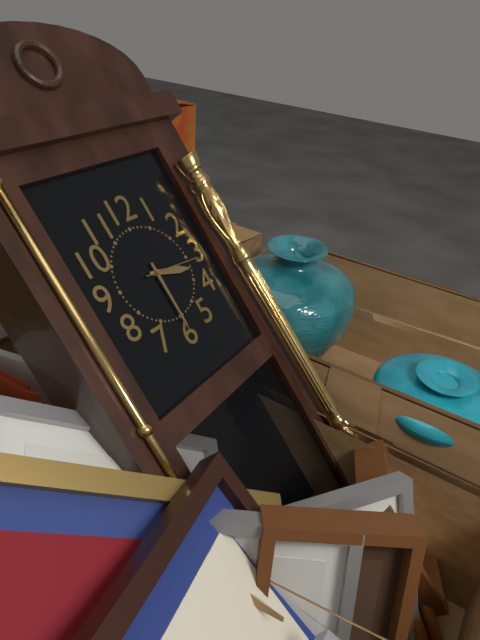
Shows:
3,30,16
